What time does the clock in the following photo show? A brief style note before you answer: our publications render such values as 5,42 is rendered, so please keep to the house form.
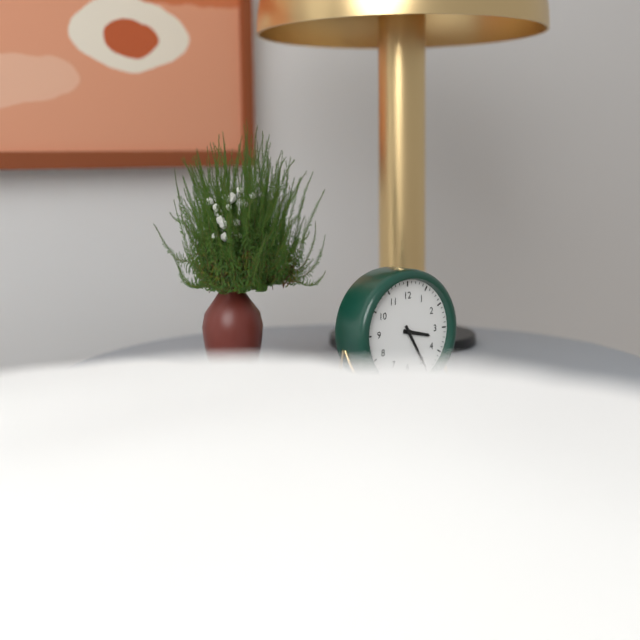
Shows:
3,25
